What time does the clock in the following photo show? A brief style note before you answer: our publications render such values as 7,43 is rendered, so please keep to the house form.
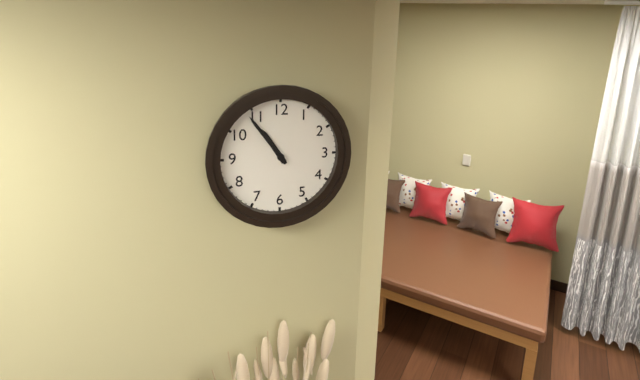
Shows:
10,54
